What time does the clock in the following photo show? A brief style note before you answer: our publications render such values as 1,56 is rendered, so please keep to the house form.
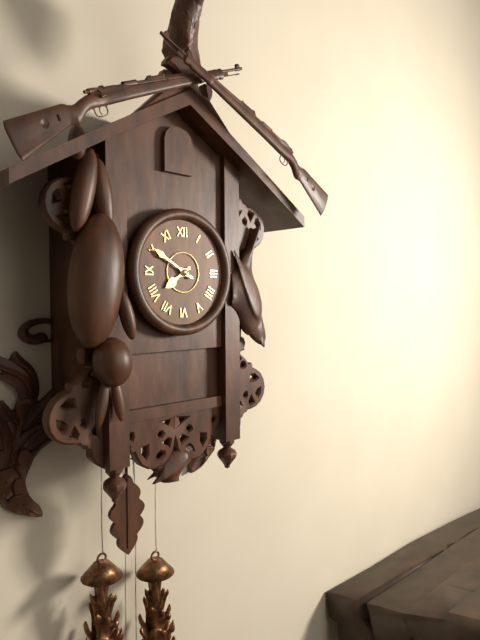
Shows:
7,50
